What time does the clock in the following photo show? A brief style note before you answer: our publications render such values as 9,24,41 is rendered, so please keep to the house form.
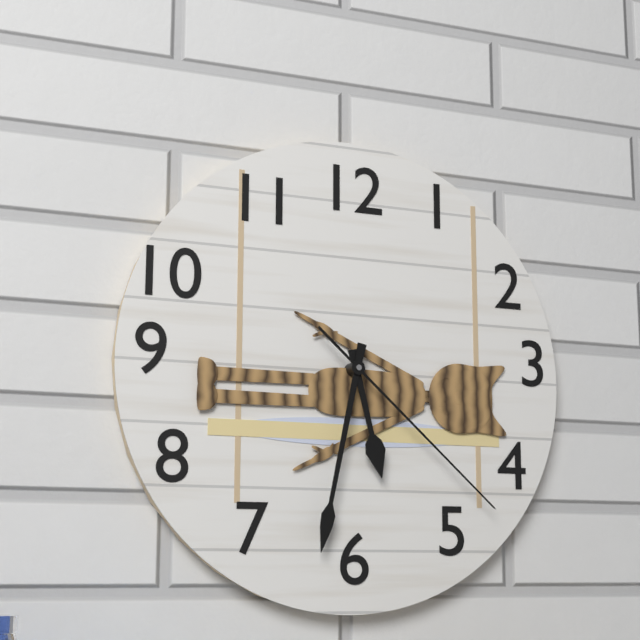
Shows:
5,32,22
